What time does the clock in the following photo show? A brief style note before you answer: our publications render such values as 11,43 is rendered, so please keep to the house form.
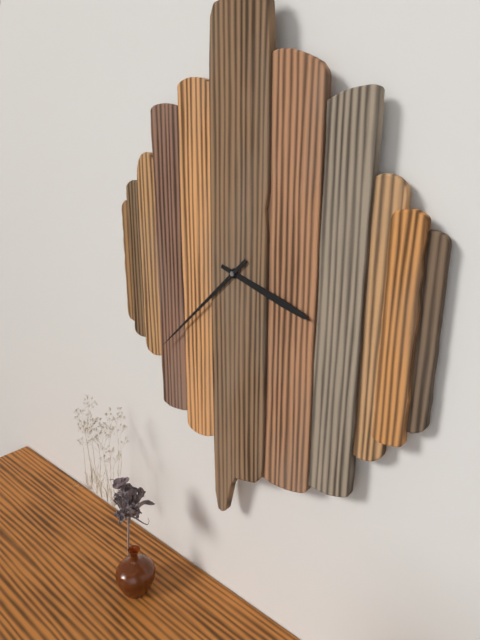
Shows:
3,38
